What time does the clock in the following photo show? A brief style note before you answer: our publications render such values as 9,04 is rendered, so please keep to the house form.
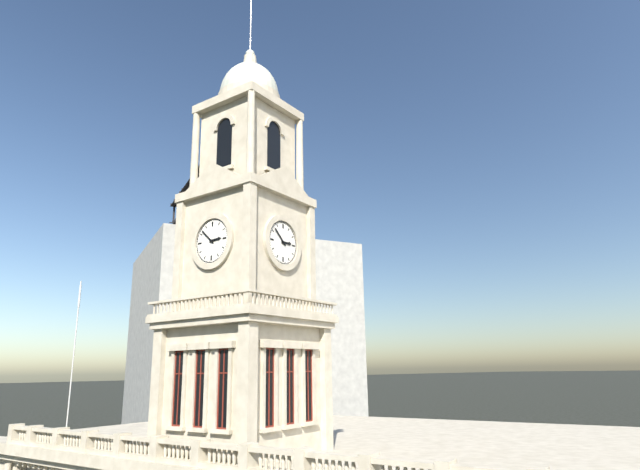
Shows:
2,52
